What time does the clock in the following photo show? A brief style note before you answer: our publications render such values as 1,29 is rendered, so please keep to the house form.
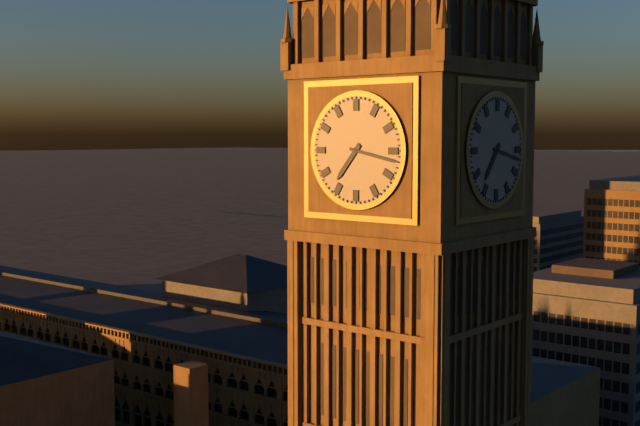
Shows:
7,17
